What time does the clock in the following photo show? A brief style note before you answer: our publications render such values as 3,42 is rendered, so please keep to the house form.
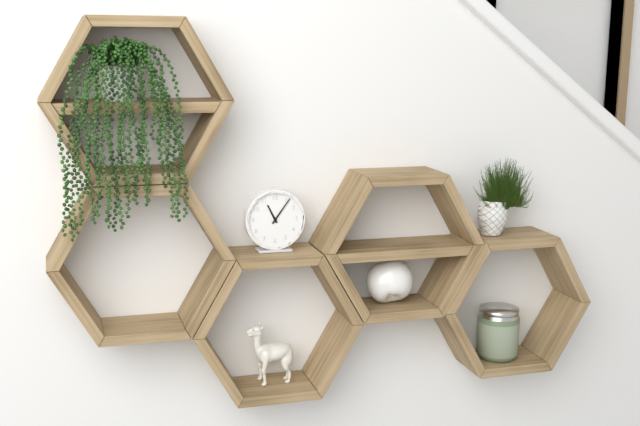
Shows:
11,06
